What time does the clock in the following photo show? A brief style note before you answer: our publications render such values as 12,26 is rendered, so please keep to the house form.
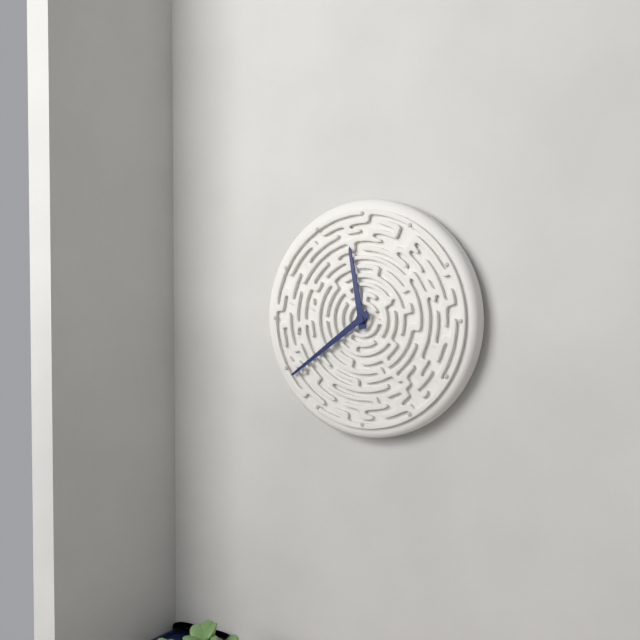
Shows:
11,39
